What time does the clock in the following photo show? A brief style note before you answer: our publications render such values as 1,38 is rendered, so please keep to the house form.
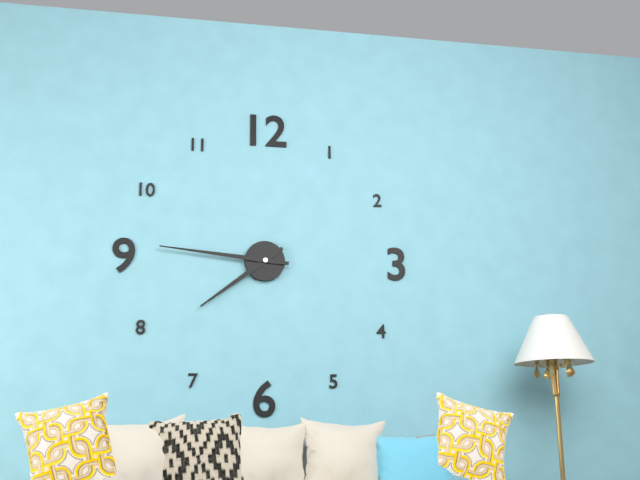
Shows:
7,46
